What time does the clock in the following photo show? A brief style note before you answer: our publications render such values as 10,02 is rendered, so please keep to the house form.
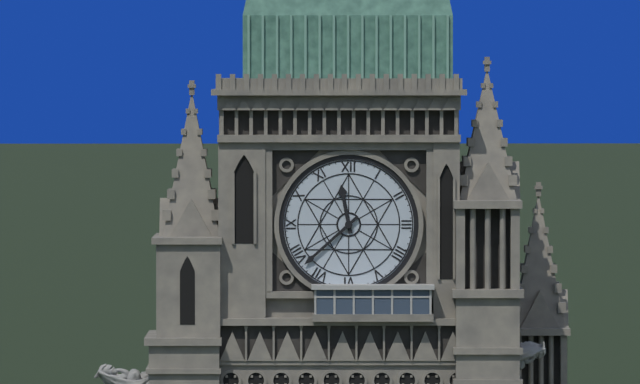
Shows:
11,38
